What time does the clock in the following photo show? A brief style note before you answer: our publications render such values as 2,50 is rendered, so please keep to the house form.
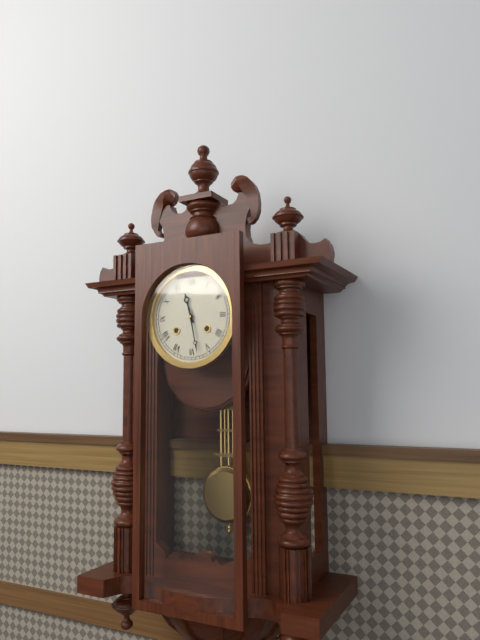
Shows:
11,28
